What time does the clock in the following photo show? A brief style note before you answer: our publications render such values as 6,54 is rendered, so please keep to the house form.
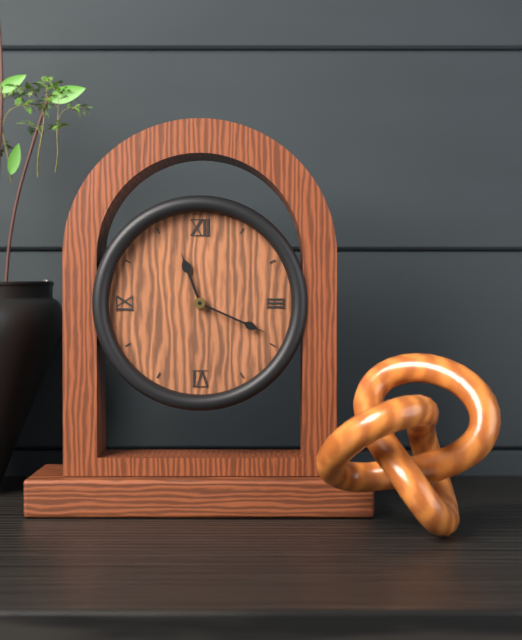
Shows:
11,19
